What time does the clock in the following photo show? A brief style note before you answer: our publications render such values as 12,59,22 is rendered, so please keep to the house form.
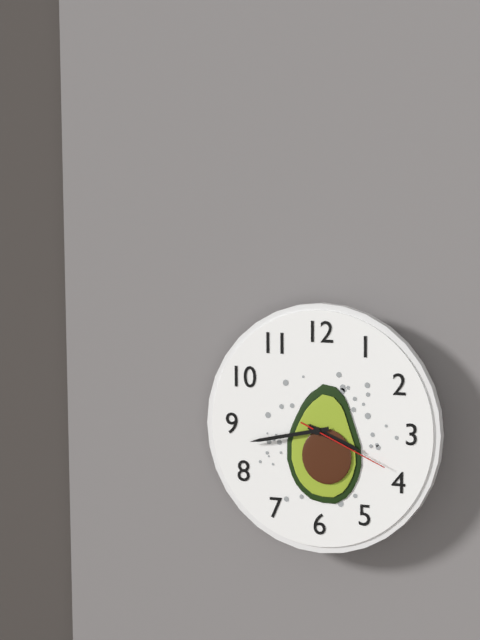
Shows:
3,43,19
